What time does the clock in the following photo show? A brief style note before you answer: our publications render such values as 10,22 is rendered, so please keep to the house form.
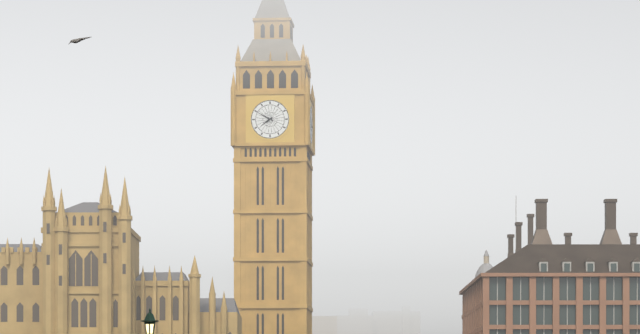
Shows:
7,50
